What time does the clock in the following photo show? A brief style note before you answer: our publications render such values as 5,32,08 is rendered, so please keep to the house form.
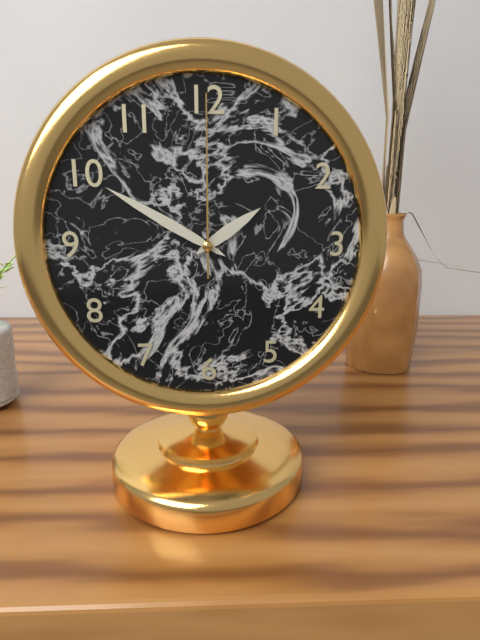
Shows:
1,50,00
